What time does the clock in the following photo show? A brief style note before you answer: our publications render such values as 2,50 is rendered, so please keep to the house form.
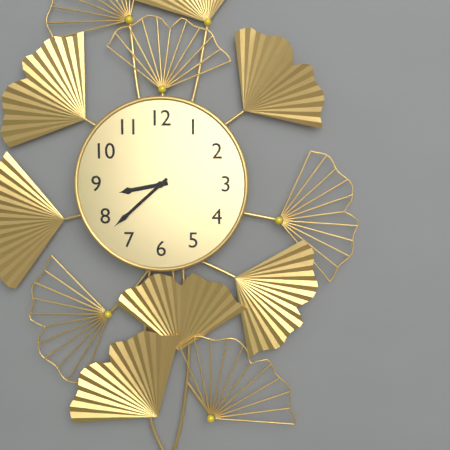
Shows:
8,38
